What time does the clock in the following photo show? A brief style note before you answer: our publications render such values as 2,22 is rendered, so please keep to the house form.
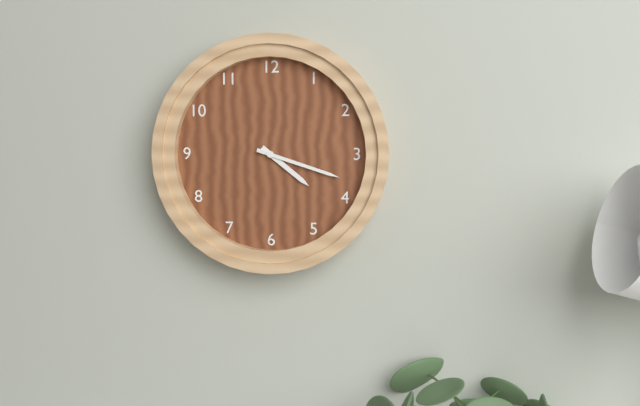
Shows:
4,18
